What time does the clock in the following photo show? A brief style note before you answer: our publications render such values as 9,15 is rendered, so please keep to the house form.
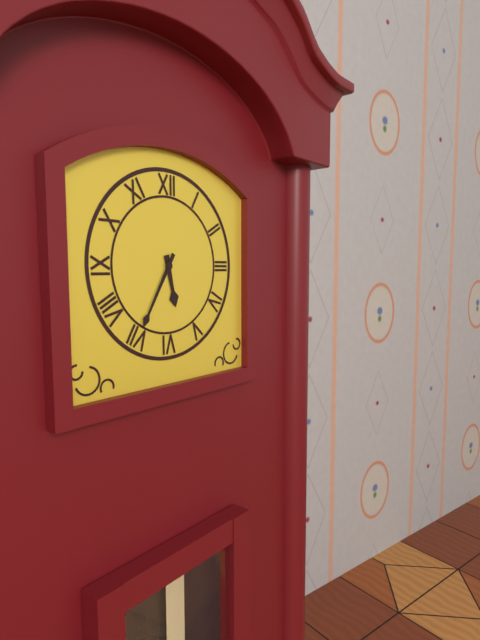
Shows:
5,35
